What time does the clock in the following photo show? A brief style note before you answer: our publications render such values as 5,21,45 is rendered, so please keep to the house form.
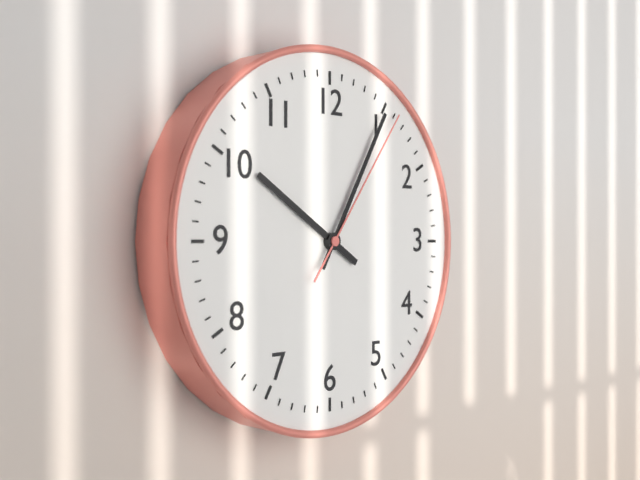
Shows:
10,05,06
